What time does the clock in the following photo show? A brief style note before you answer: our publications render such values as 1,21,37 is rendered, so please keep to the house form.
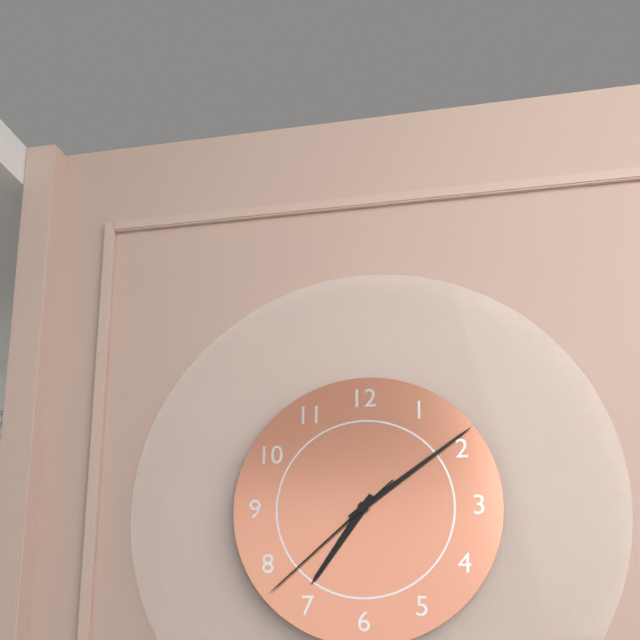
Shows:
7,09,38
